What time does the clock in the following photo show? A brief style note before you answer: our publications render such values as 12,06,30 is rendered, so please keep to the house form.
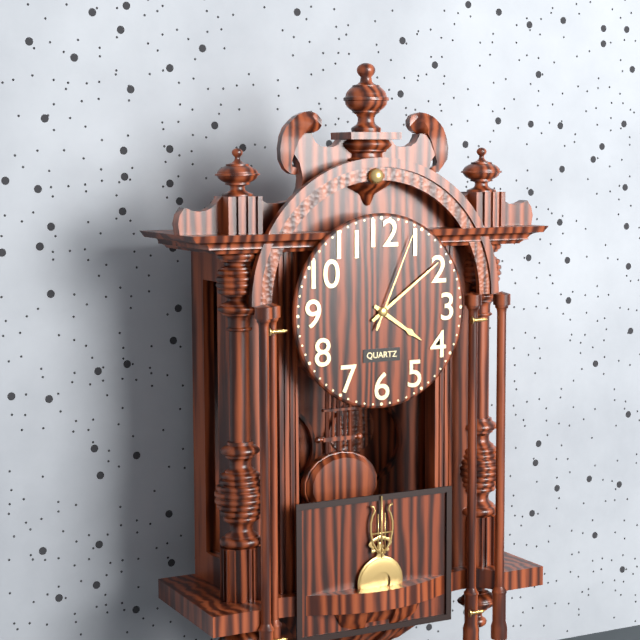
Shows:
4,09,04
